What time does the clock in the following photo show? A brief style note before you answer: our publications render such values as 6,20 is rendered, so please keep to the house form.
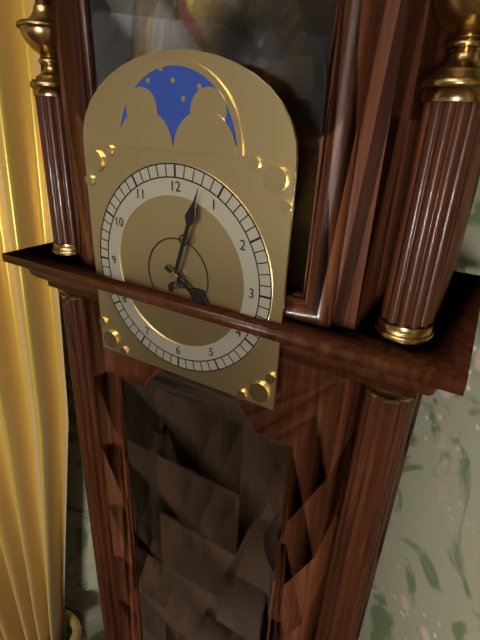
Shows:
4,03
